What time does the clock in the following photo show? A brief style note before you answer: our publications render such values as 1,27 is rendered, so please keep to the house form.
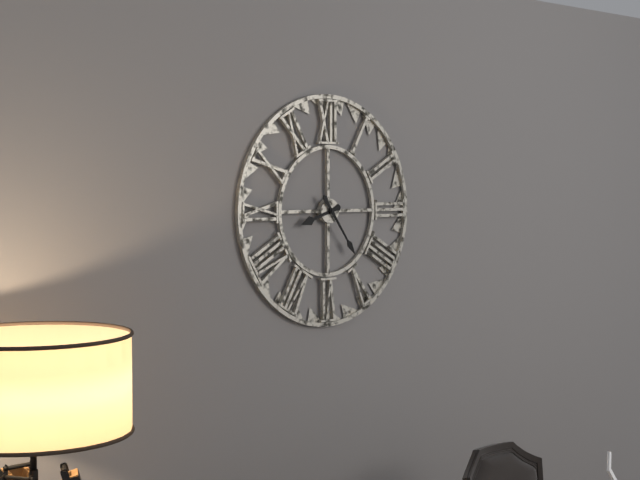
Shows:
8,24
